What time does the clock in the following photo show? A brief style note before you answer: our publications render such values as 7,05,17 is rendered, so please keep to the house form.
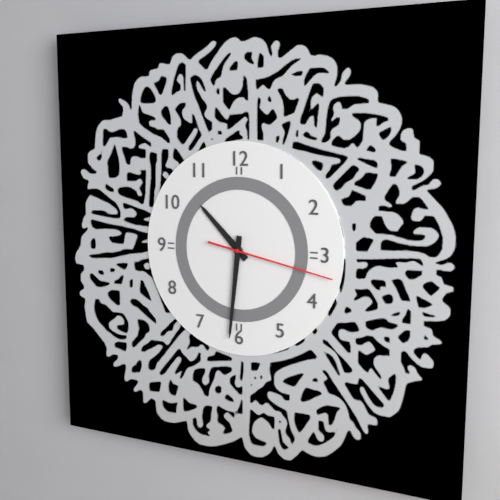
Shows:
10,31,17
